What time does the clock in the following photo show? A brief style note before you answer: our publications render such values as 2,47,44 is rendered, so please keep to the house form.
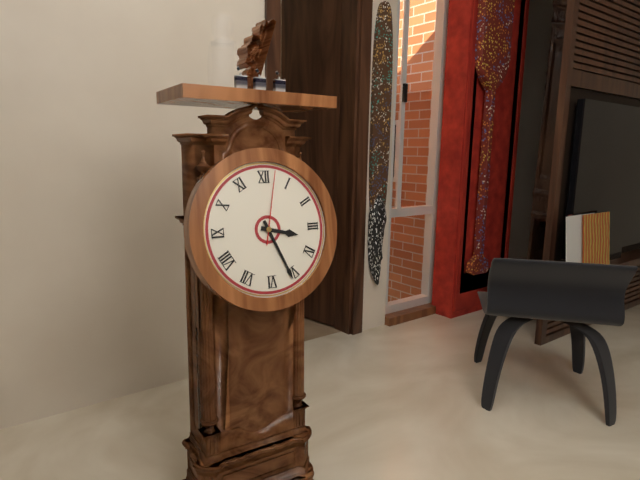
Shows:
3,26,02
